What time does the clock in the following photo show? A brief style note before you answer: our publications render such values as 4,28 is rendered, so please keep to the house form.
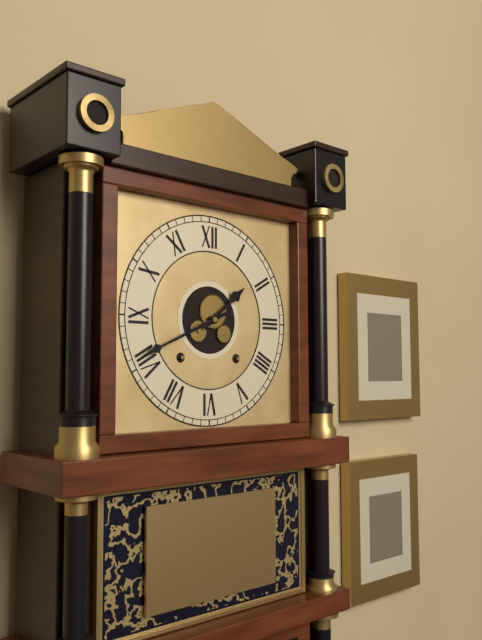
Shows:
1,41
